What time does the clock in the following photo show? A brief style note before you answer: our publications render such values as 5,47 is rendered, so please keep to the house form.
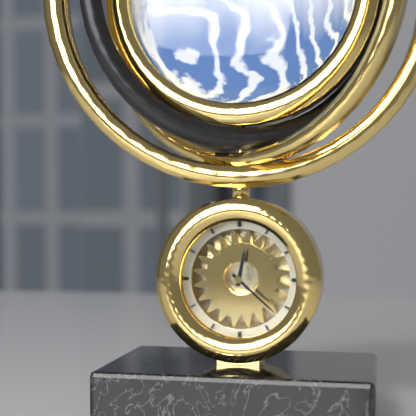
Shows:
12,22
